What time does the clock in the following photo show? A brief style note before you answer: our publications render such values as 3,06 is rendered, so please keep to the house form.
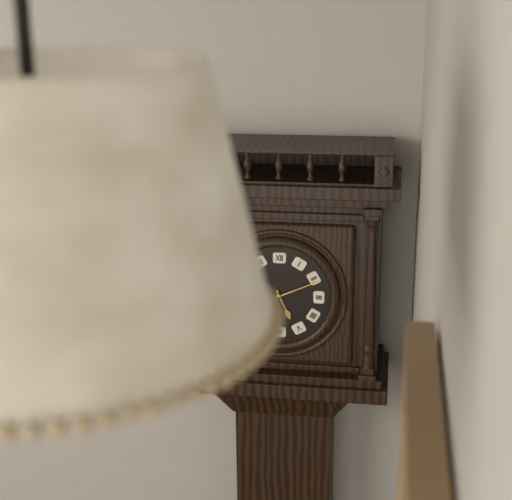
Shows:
5,11
